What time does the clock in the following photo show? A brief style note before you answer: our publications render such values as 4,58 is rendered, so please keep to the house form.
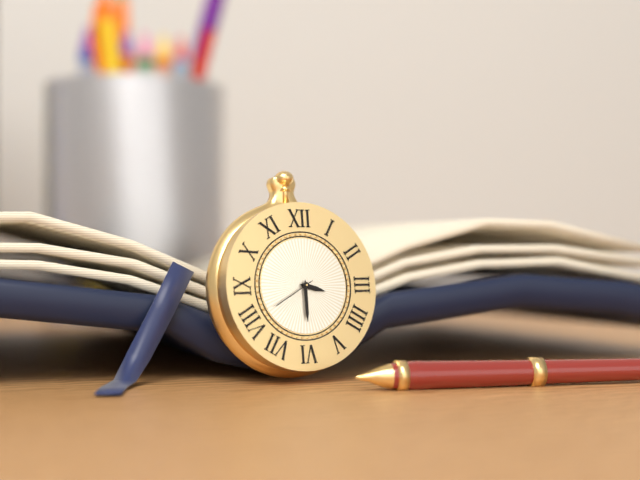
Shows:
3,30
